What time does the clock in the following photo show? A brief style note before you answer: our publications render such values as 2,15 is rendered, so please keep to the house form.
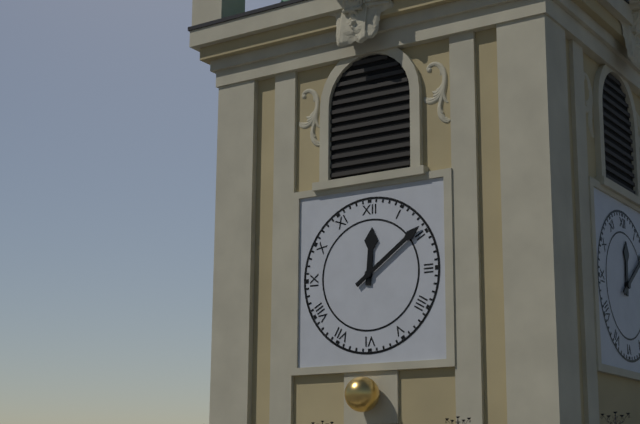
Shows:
12,09
